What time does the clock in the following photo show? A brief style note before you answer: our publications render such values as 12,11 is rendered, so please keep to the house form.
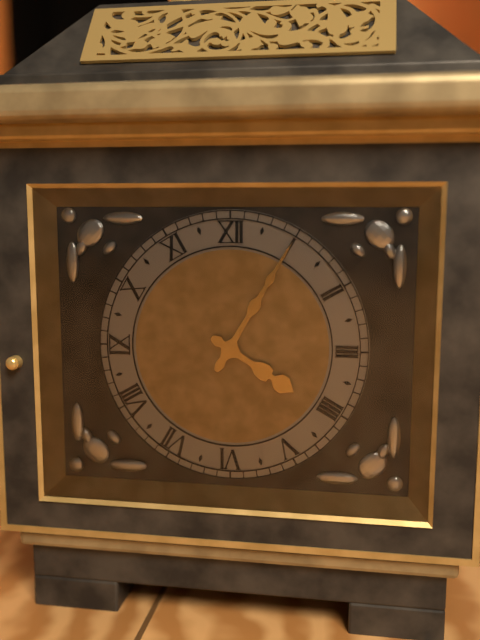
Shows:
4,05
